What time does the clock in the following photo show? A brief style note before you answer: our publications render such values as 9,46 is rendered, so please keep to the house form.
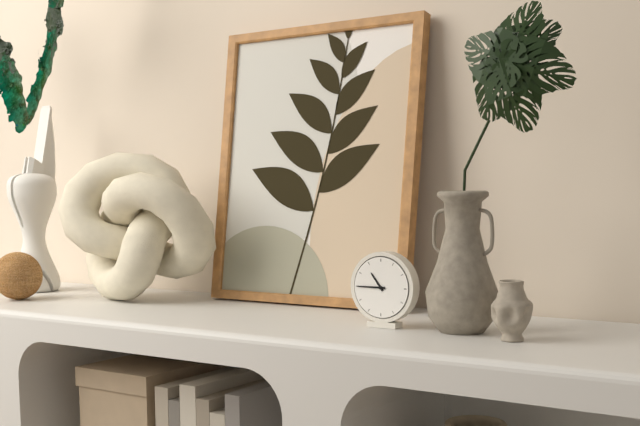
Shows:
10,45
